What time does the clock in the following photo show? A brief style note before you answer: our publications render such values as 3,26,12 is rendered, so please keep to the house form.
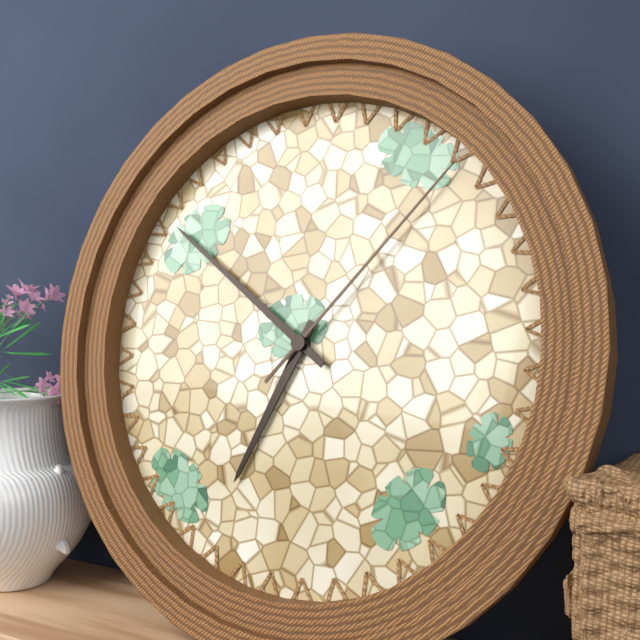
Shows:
6,51,07
